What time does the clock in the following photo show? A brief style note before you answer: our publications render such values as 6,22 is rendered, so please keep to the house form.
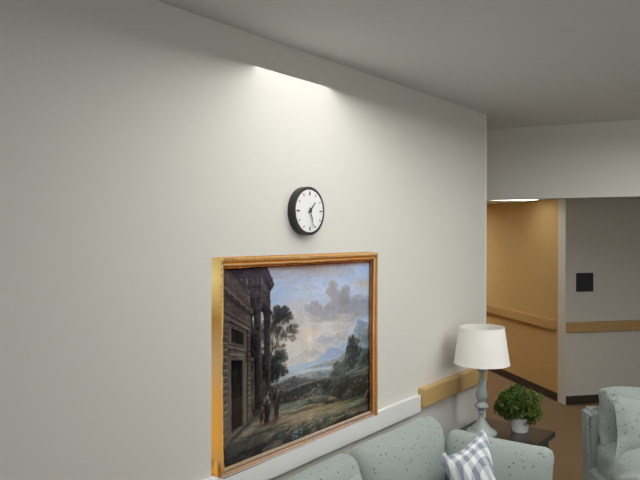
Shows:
1,27
